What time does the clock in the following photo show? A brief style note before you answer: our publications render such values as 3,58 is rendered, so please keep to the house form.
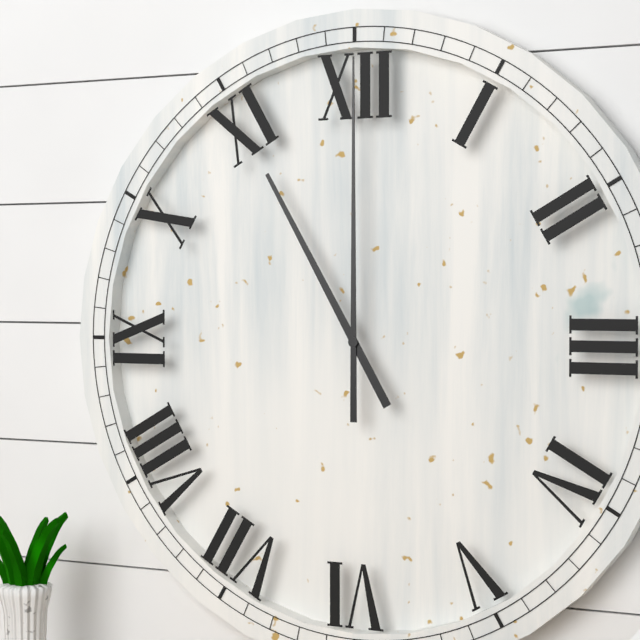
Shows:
11,00
